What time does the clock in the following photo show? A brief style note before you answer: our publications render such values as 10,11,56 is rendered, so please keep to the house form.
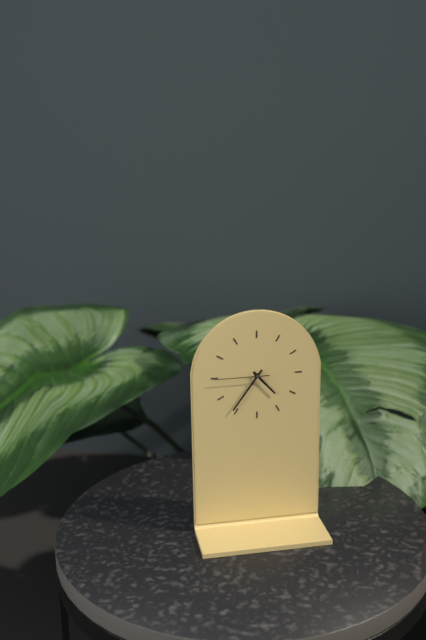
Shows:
4,36,45
